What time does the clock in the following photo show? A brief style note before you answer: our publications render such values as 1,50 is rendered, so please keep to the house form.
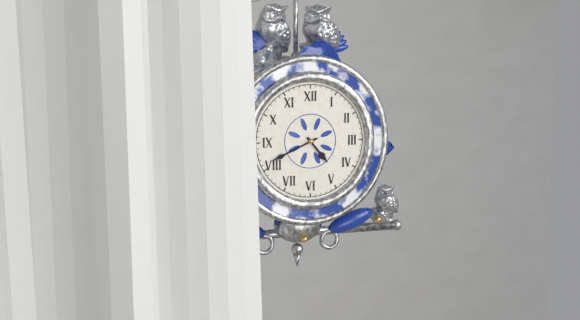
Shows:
4,41
